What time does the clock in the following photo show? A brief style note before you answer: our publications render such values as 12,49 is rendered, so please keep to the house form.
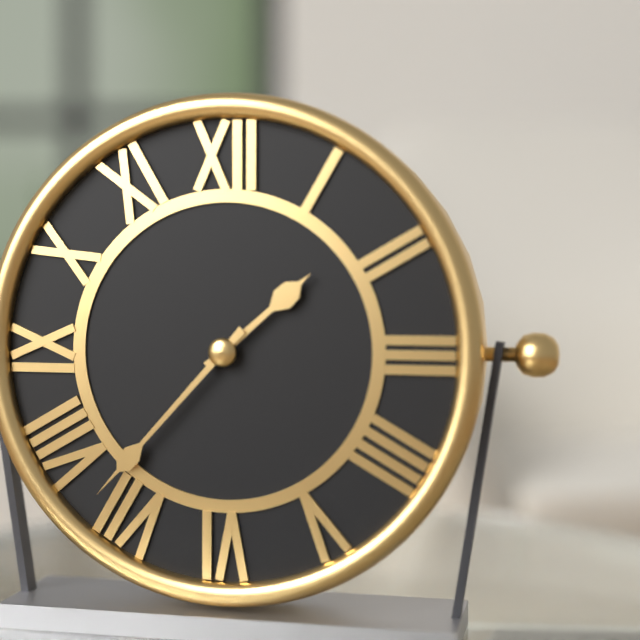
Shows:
1,37
